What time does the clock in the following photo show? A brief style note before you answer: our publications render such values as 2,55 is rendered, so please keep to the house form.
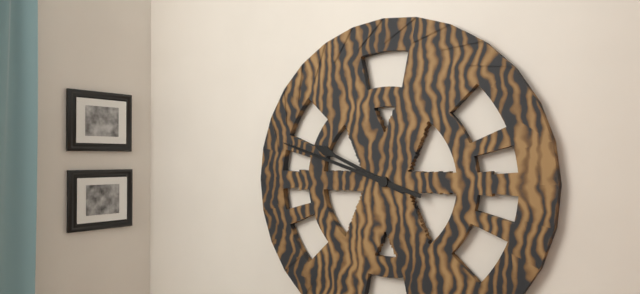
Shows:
9,48
